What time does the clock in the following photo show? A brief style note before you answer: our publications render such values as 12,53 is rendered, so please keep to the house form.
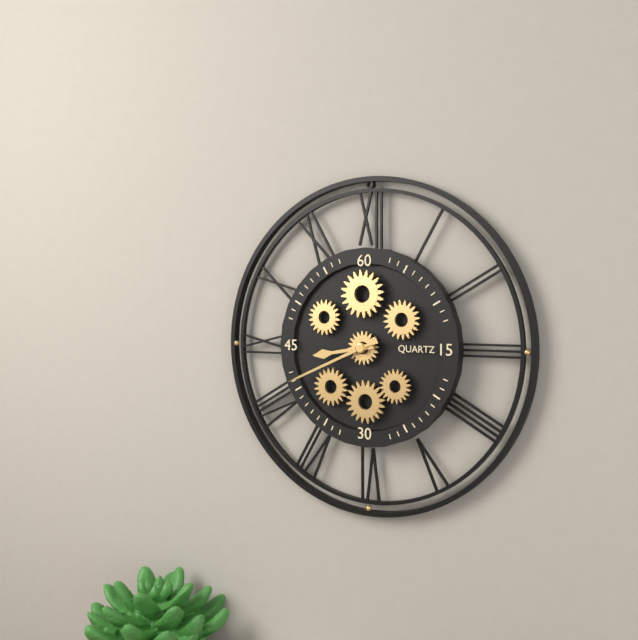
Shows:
8,41
